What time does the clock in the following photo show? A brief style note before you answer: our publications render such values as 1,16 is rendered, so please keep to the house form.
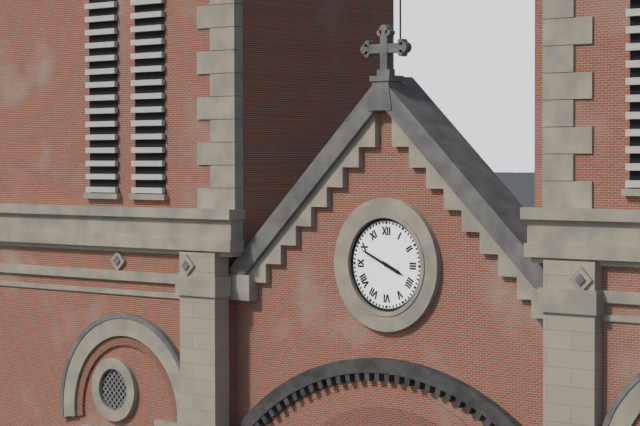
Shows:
3,49
